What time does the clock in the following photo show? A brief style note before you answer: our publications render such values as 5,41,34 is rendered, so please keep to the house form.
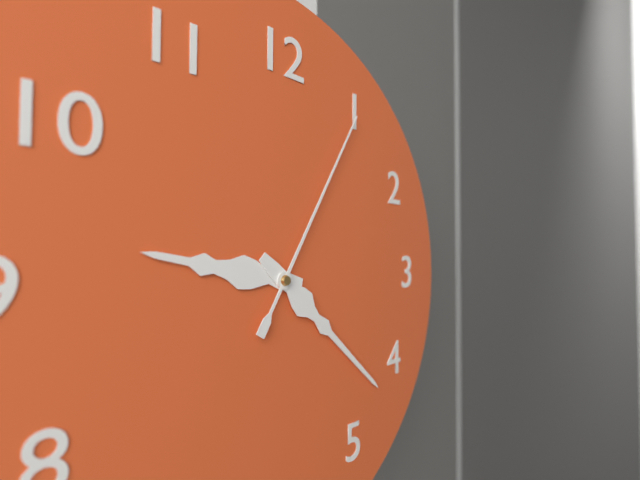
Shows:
9,22,05
